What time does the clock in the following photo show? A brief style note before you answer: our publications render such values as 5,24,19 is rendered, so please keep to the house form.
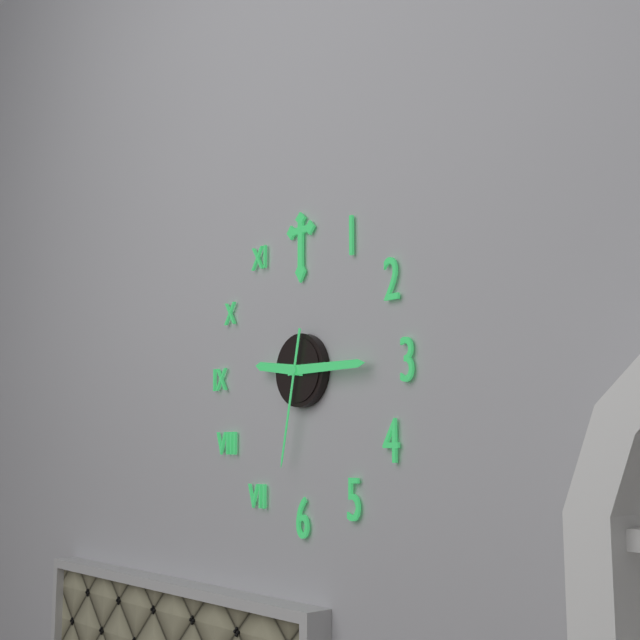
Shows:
9,15,32
